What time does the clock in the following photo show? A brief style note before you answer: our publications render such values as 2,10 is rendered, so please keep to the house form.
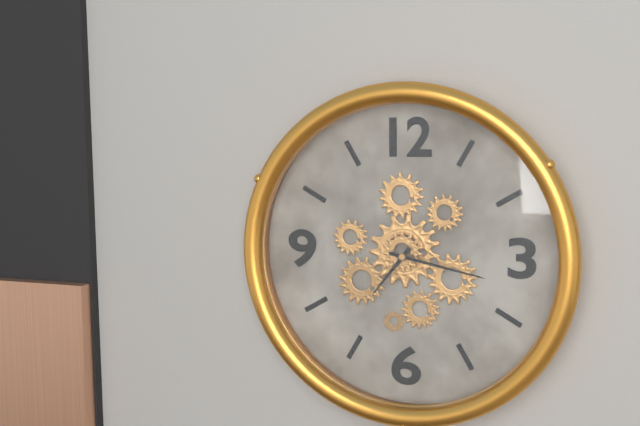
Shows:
7,17
